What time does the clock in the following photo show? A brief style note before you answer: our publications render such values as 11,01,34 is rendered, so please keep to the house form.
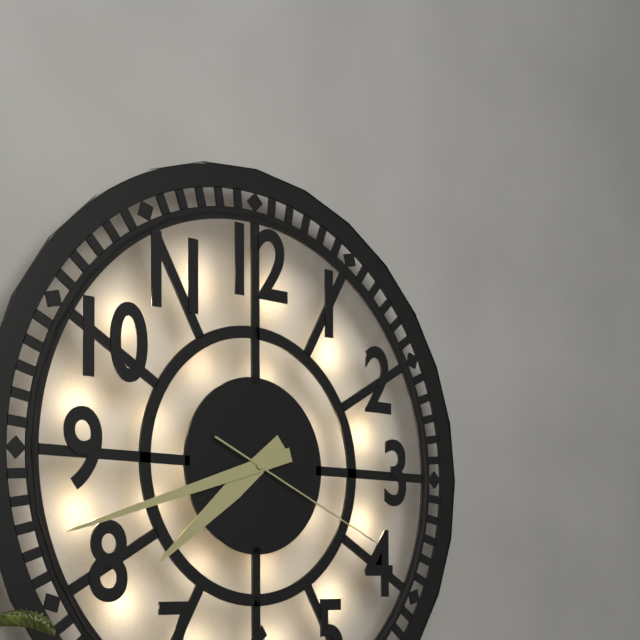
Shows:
7,42,19
